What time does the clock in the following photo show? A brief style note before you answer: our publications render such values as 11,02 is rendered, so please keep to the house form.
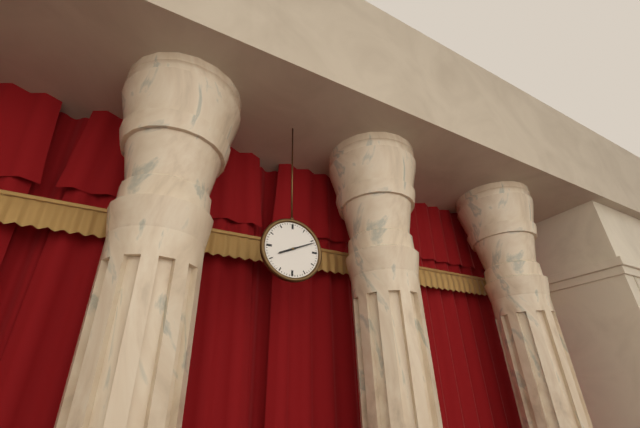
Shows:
8,11
